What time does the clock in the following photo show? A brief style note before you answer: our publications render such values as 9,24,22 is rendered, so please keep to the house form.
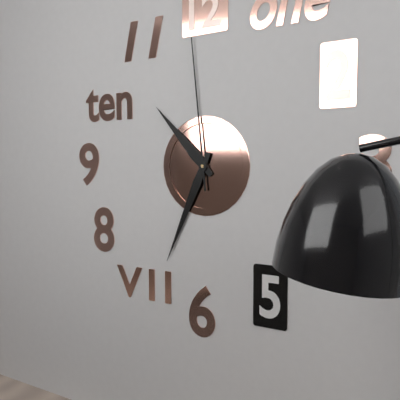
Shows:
10,34,59
